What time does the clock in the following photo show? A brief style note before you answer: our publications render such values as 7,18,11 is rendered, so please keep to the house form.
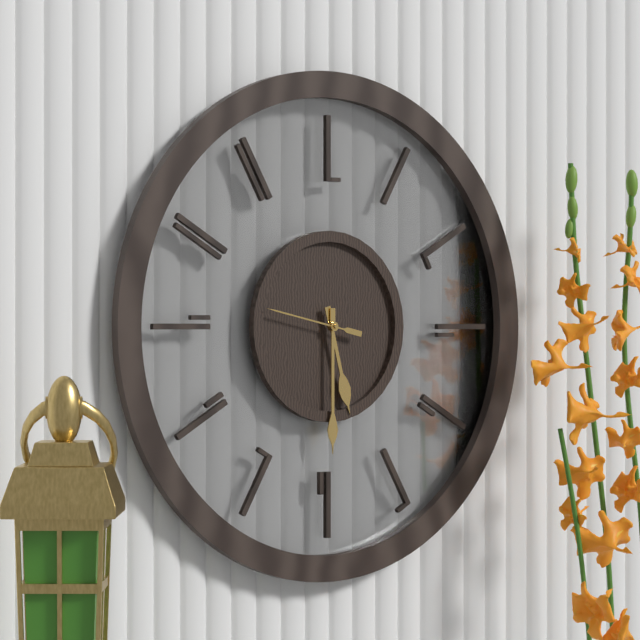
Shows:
5,30,47
